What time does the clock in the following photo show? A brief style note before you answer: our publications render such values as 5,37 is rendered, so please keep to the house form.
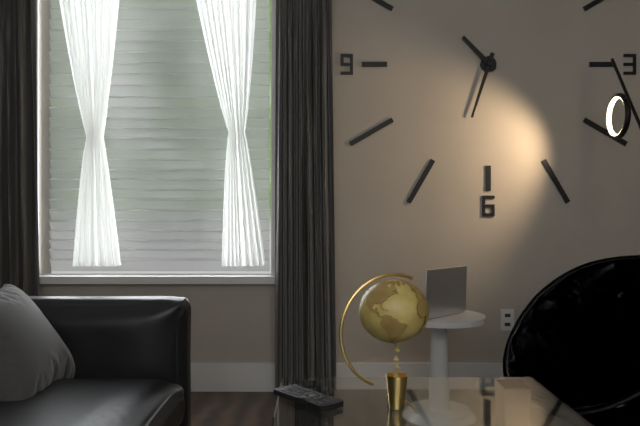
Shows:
10,33
